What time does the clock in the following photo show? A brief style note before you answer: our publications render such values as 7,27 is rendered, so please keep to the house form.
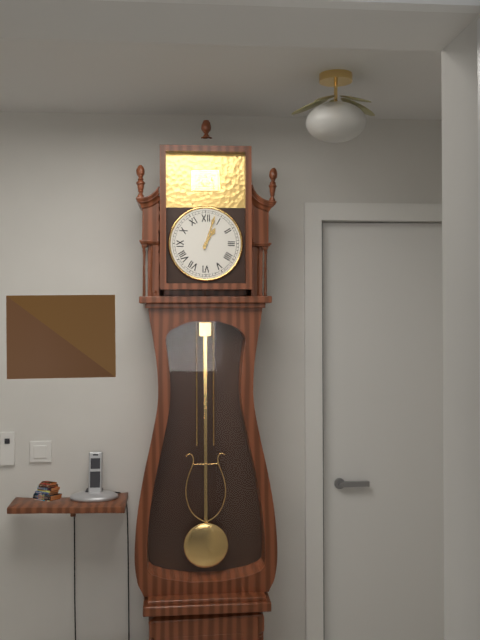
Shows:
1,03
